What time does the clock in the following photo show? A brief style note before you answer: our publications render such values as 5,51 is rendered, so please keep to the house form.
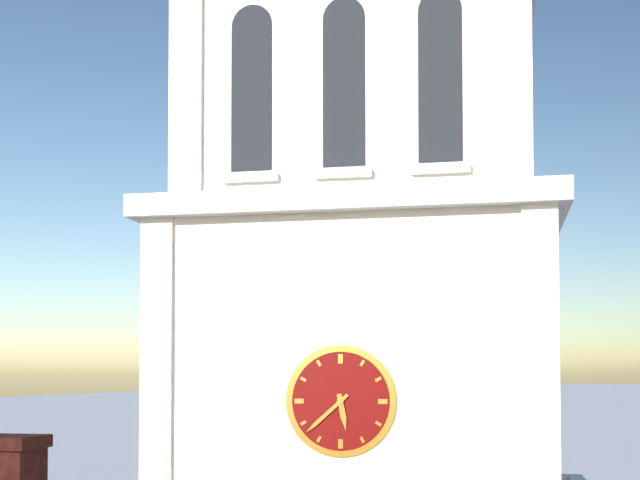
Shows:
5,38
